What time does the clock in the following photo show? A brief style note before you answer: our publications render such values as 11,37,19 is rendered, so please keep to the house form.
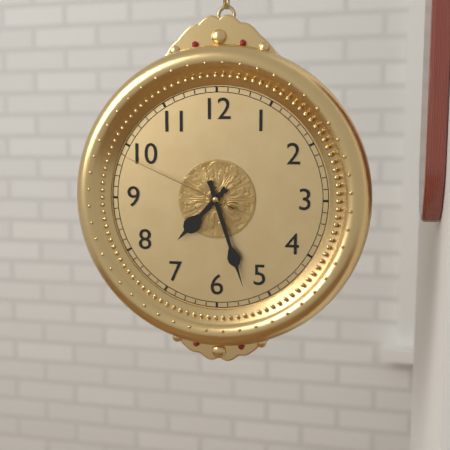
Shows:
7,27,49
